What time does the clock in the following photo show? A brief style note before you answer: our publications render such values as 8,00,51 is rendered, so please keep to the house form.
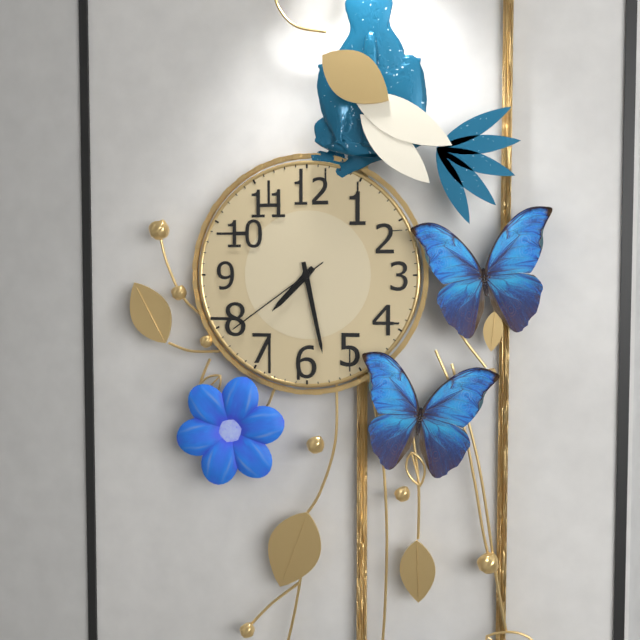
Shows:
7,28,39
